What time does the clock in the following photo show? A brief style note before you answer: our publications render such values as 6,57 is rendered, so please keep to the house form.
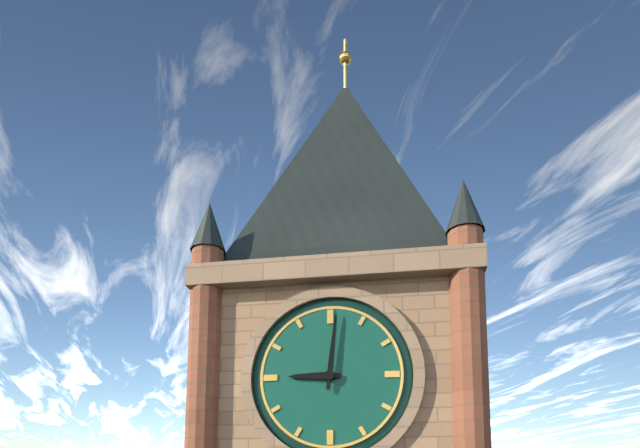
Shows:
9,01
